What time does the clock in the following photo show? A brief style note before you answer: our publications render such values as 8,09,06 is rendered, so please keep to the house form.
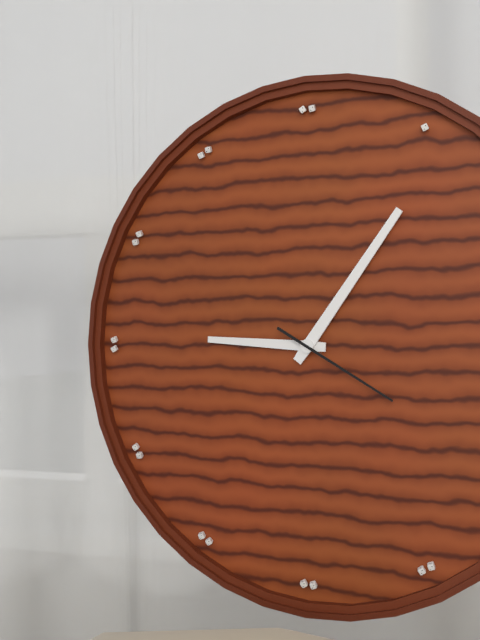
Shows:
9,06,20
